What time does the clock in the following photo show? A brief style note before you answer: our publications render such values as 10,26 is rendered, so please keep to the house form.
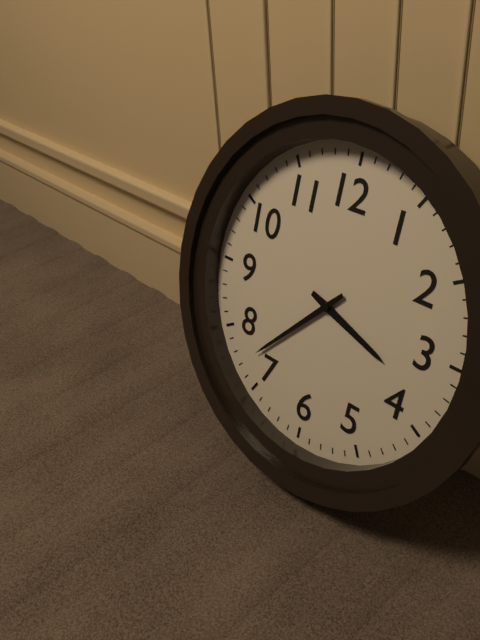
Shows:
3,37
